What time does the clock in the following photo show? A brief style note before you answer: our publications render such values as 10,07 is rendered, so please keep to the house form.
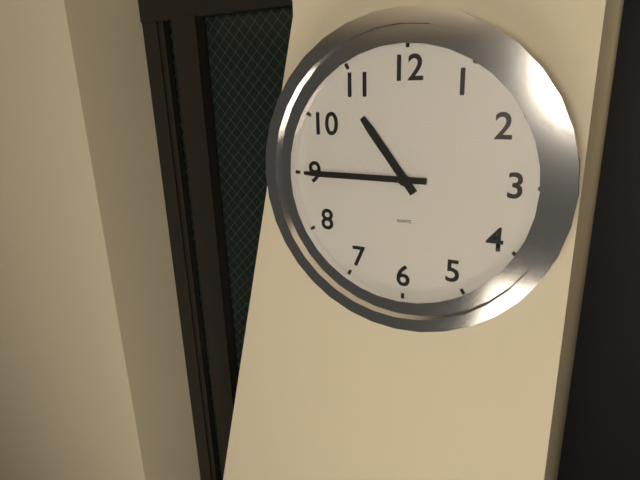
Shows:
10,45
